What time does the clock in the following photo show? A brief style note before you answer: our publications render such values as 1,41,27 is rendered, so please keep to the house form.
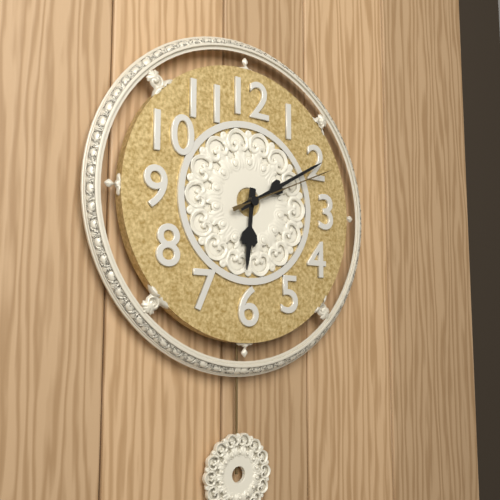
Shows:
6,10,11
